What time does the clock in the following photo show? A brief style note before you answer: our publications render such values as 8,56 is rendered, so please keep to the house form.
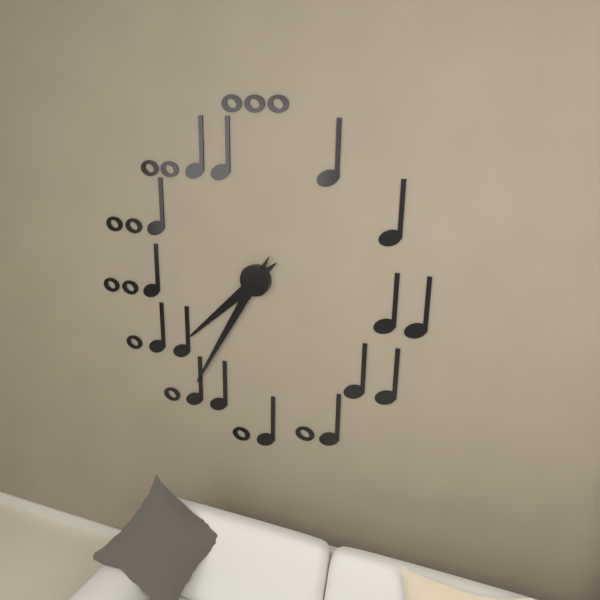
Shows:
7,35
